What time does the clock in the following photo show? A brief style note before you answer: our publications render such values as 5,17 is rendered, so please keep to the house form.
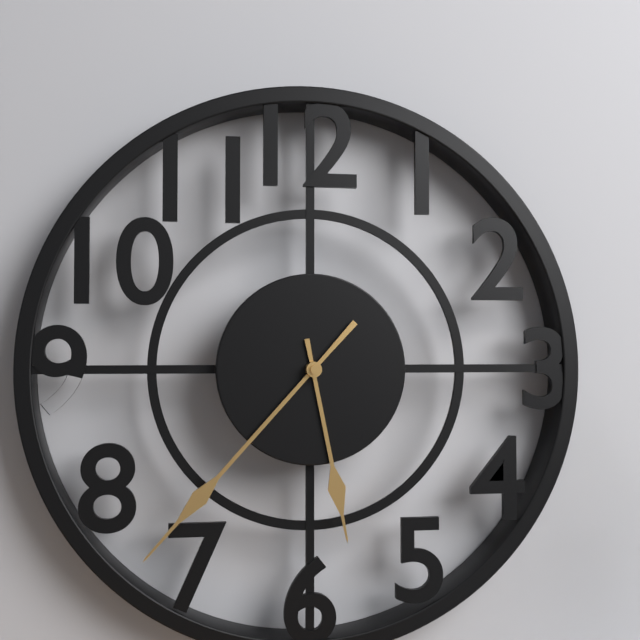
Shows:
5,37
